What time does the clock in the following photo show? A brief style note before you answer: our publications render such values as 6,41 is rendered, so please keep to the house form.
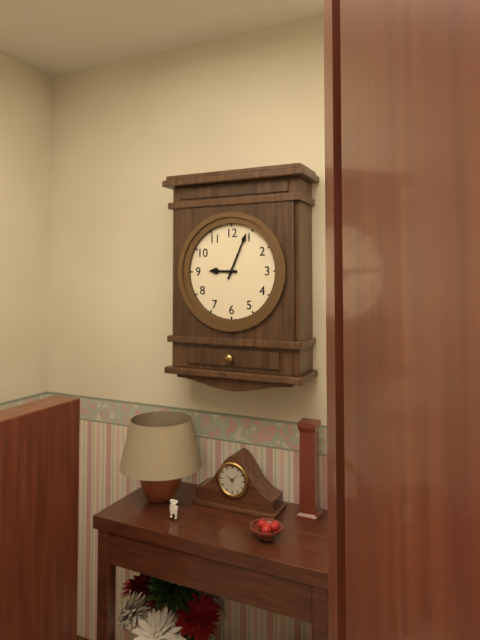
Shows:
9,04
